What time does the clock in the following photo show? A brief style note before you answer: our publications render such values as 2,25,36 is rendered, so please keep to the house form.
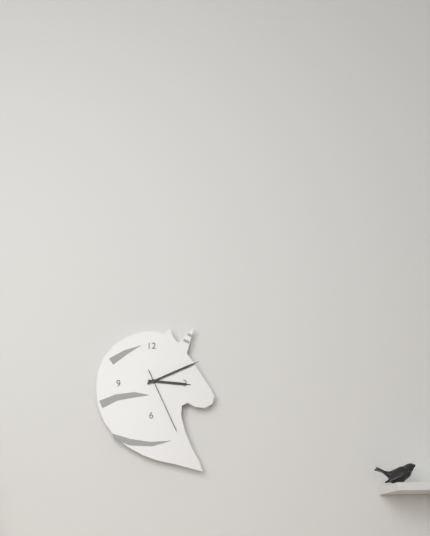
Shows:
3,11,26
